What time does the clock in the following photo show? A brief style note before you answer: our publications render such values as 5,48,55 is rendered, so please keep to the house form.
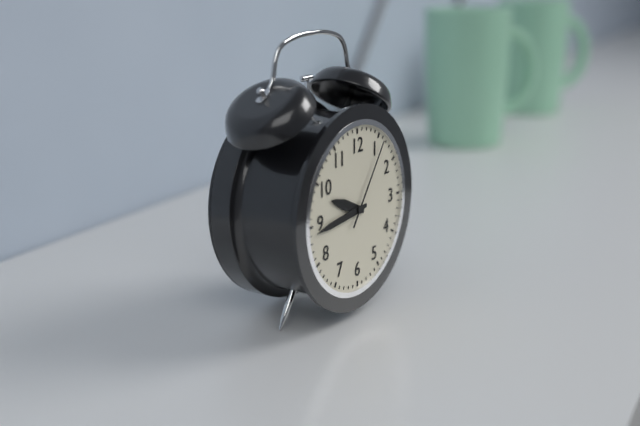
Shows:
9,44,06
